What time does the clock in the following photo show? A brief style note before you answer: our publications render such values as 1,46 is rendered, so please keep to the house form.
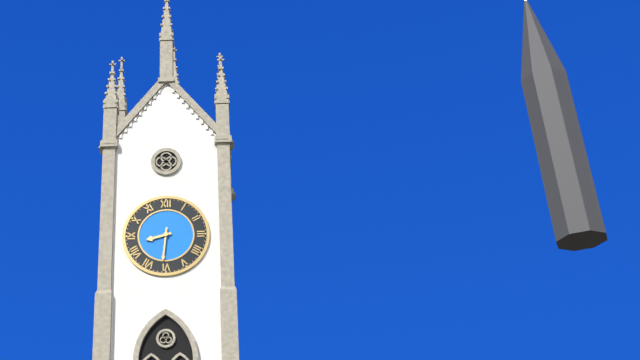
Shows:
8,31
